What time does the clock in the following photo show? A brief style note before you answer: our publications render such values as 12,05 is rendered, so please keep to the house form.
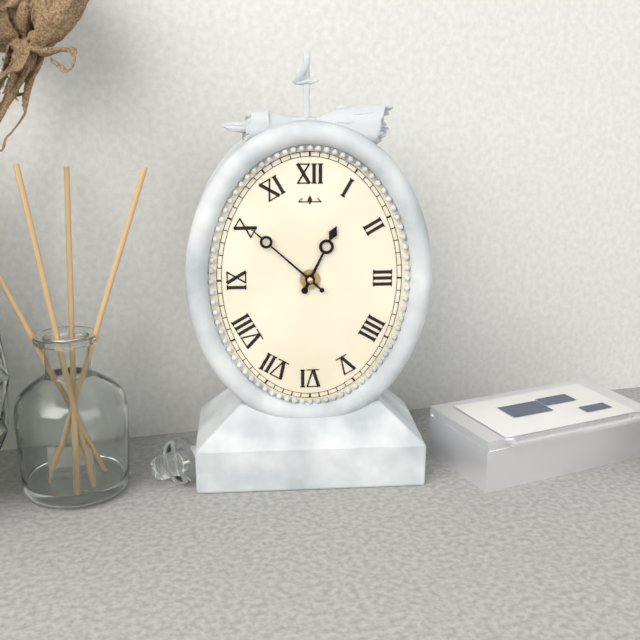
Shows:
12,52
